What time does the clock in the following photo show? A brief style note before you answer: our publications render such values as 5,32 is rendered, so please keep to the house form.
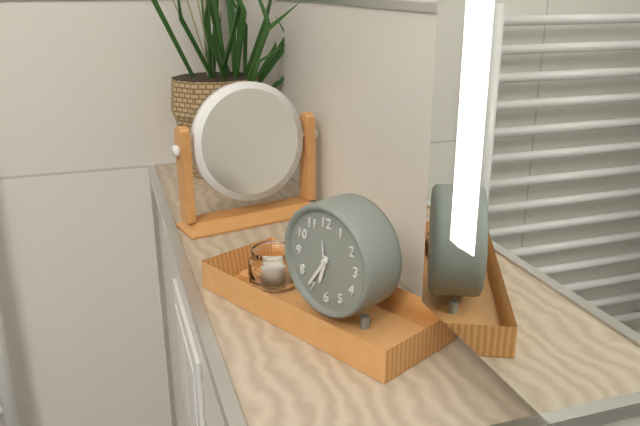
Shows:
6,36
